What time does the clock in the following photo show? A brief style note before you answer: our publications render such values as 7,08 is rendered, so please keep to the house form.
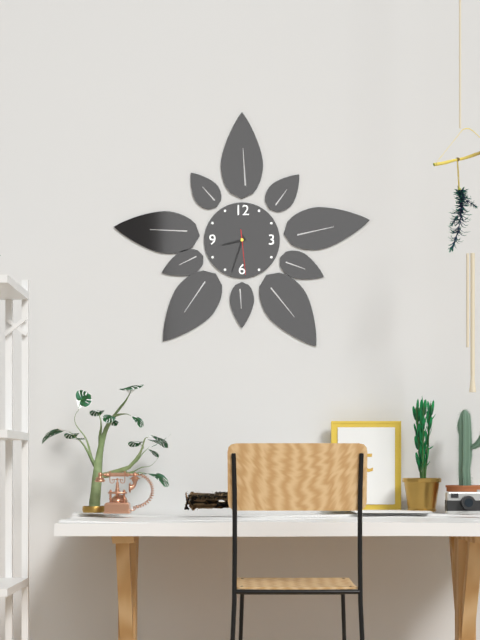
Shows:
8,33
